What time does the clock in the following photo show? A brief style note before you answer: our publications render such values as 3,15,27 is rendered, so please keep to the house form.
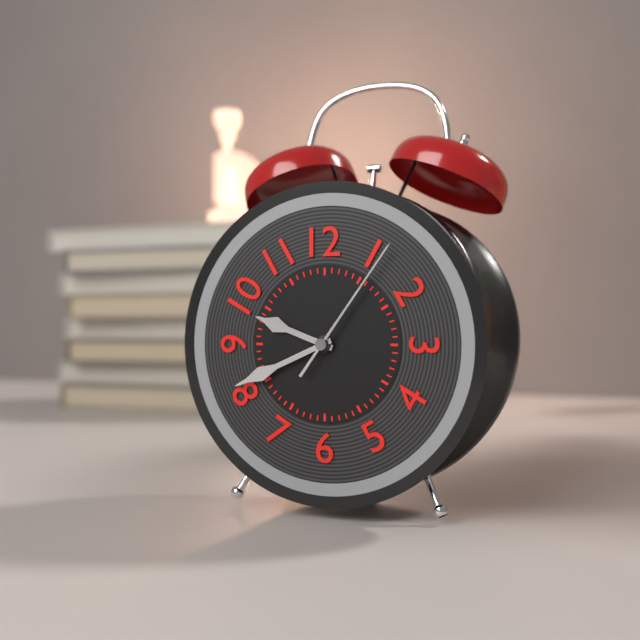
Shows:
9,41,06
